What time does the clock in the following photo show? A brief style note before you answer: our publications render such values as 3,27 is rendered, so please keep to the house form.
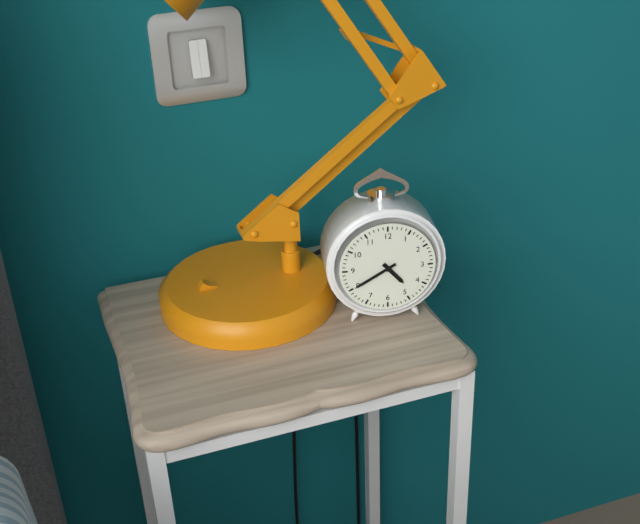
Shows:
4,40
